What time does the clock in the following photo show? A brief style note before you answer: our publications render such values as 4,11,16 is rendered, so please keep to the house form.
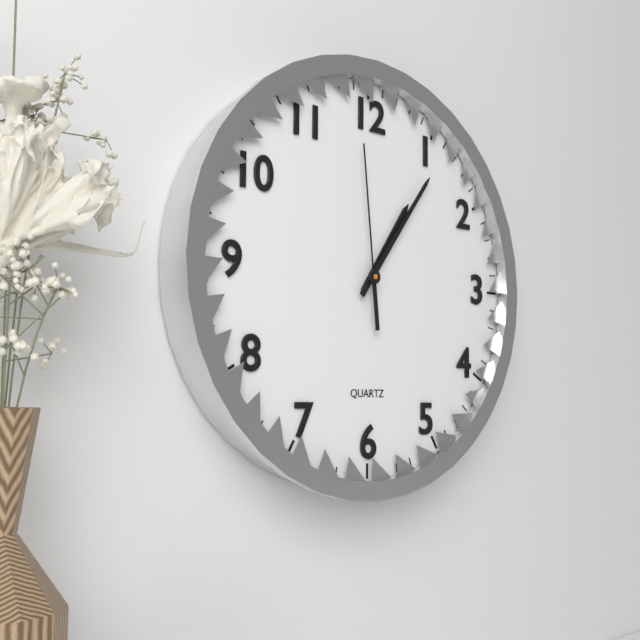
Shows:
1,06,59
